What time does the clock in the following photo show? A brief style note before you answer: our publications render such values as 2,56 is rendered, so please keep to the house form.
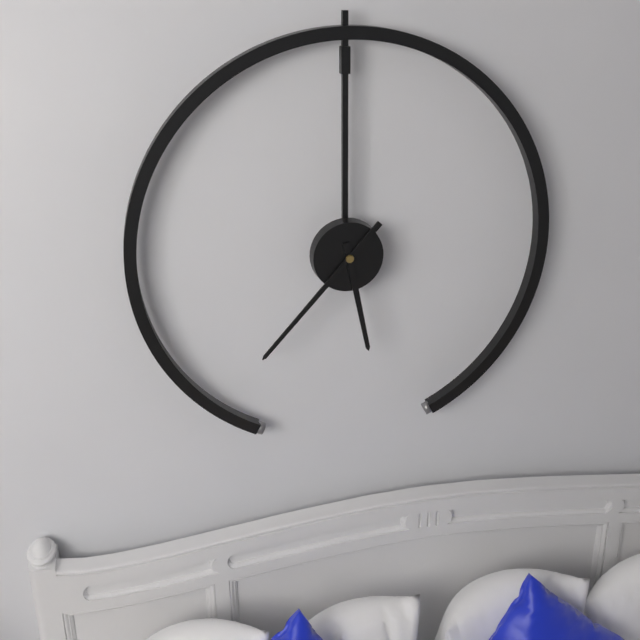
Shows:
5,37
